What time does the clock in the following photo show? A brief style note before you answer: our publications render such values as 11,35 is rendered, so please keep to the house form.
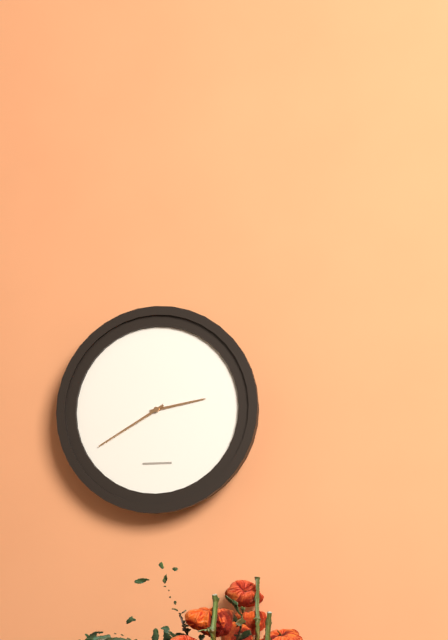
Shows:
2,40
